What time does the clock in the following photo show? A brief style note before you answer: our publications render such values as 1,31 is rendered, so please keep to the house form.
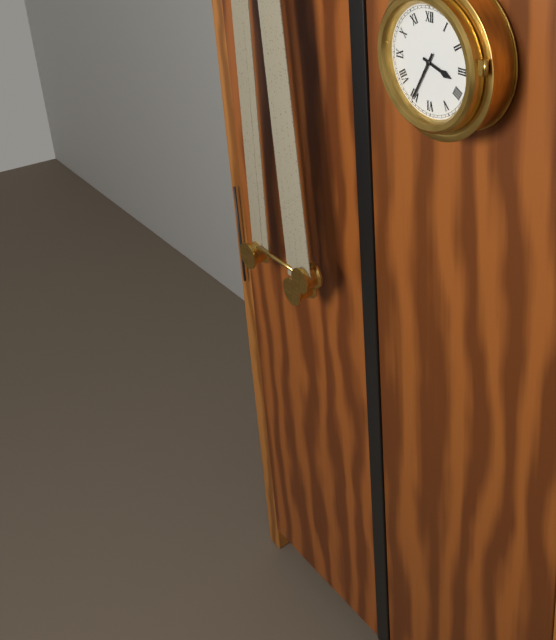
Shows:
3,35
